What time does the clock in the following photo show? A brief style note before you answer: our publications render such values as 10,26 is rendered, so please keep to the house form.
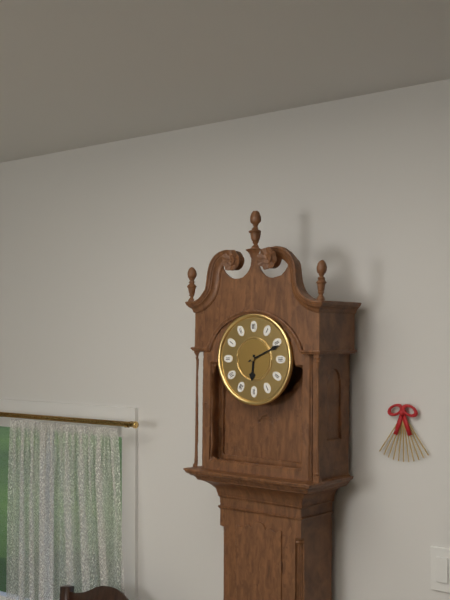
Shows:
6,11
